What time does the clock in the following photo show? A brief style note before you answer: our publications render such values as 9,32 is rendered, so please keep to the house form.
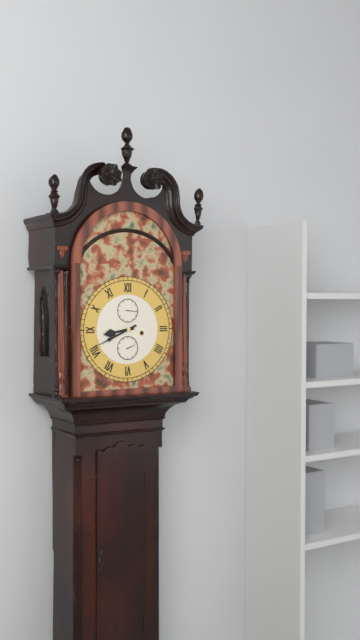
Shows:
8,41
